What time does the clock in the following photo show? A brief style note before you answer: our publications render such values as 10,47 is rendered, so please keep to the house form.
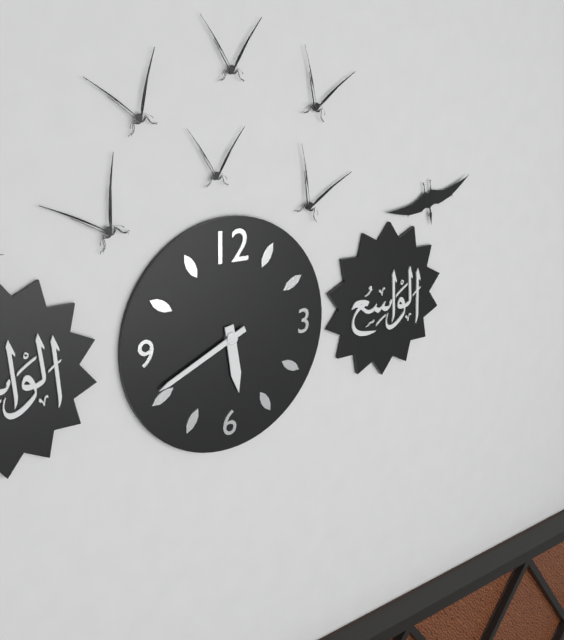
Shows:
5,41
